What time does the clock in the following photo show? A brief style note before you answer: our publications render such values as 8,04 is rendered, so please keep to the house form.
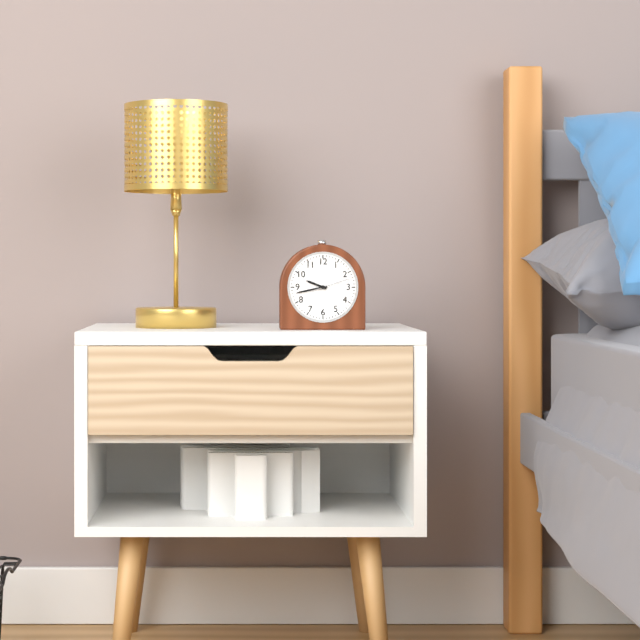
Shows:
9,43
